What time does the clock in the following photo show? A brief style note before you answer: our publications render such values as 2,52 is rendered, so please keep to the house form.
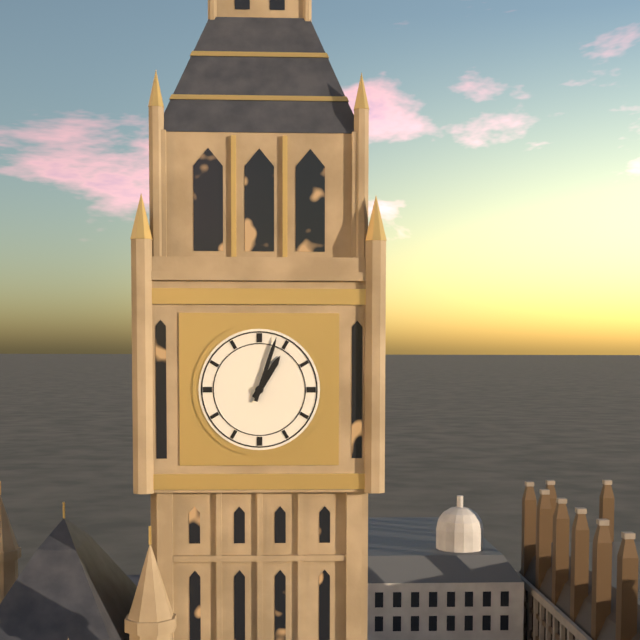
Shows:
1,03
